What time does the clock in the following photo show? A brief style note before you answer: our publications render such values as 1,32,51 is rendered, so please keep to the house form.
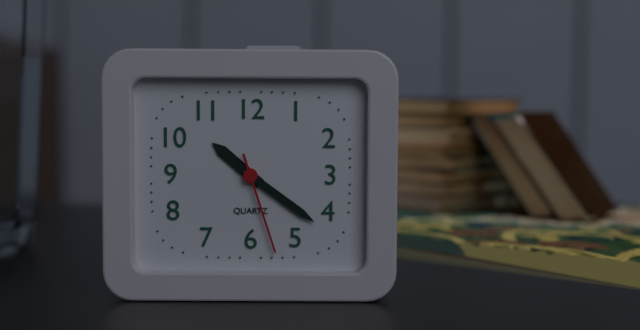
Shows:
10,21,27
